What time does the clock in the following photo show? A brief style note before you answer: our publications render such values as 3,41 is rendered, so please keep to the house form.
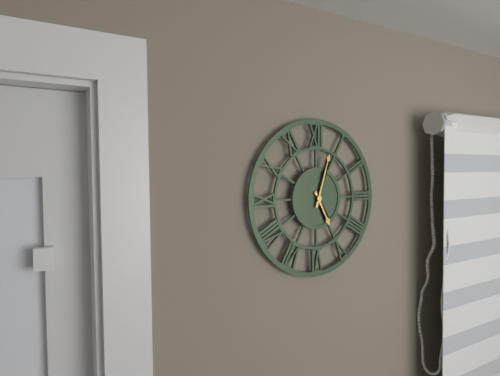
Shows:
5,03
